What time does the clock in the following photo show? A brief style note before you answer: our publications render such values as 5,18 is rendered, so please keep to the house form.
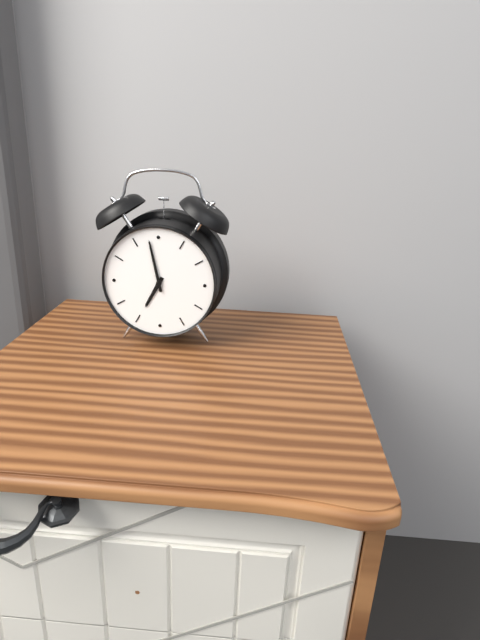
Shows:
6,58
